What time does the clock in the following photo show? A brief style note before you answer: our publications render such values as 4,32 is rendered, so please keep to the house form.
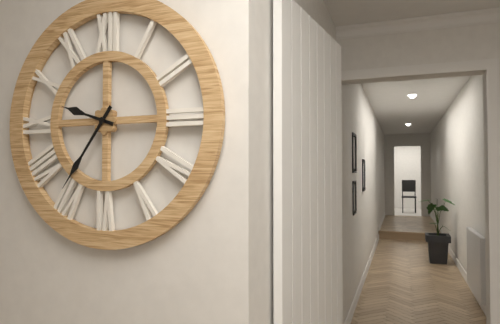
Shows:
9,36
